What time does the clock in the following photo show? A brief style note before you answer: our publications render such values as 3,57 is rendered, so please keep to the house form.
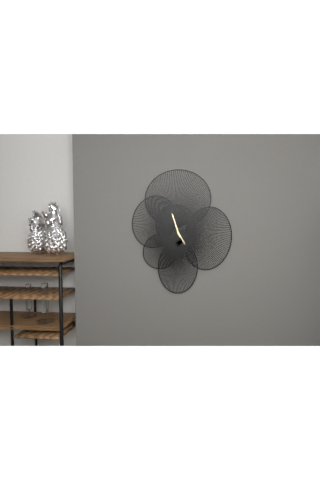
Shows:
4,57
